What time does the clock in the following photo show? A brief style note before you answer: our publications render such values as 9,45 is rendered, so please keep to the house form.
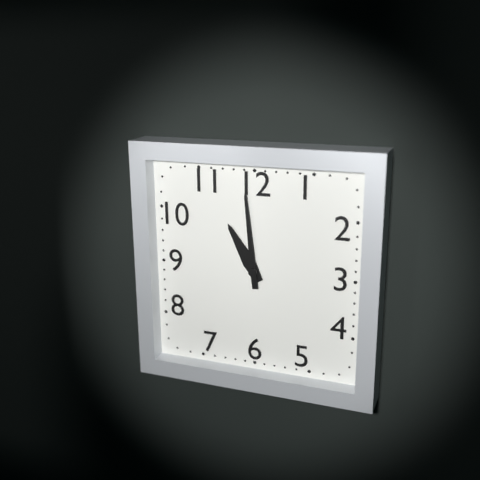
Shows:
10,59
